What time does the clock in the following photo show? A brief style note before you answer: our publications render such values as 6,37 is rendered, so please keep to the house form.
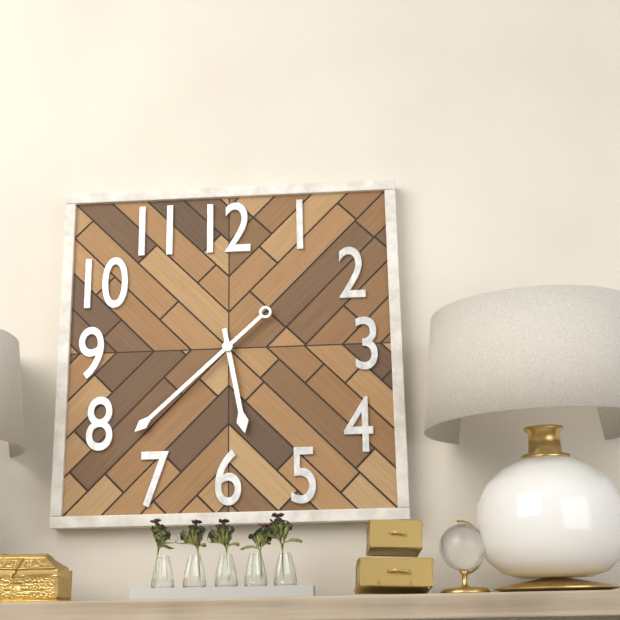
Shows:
5,38
